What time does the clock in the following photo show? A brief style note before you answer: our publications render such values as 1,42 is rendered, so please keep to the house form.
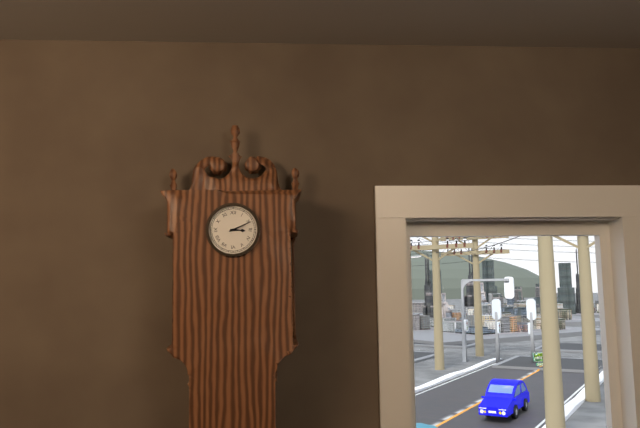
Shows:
3,11
